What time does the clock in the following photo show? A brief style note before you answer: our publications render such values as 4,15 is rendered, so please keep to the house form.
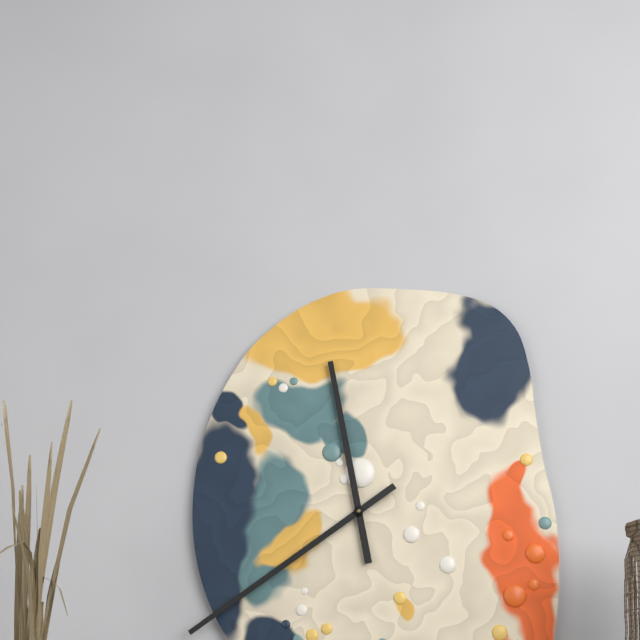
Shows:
11,39
